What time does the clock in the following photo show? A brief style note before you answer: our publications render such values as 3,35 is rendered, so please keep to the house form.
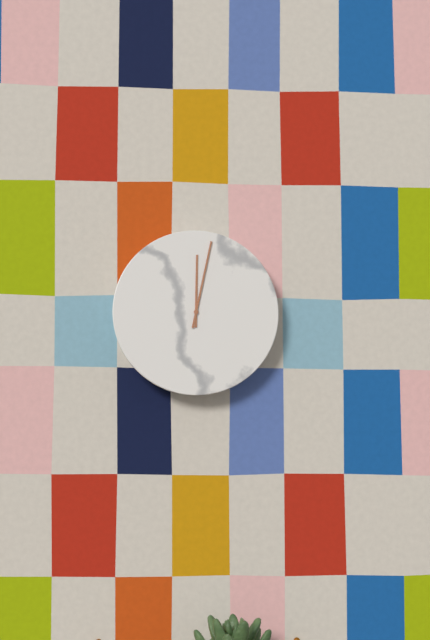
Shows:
12,02
